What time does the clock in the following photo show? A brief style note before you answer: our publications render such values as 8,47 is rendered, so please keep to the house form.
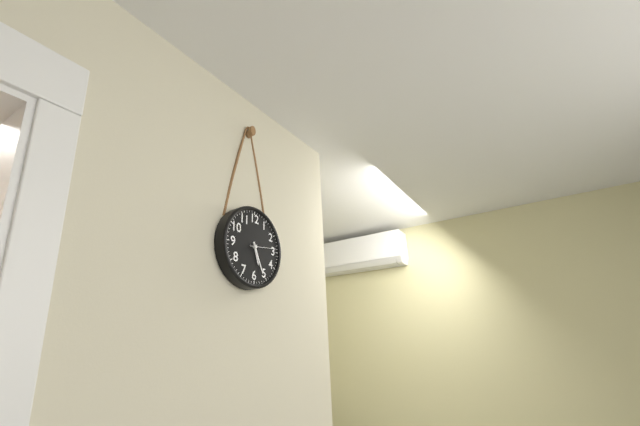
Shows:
5,26
